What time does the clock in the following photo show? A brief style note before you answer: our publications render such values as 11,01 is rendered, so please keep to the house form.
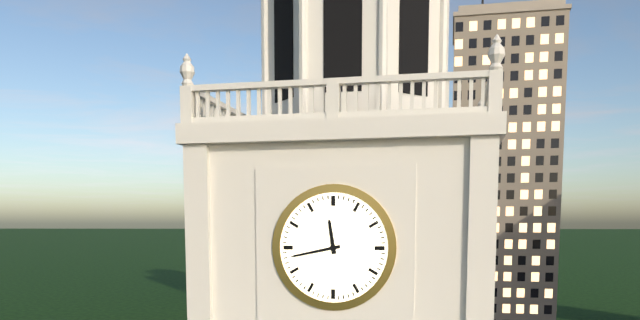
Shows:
11,43
